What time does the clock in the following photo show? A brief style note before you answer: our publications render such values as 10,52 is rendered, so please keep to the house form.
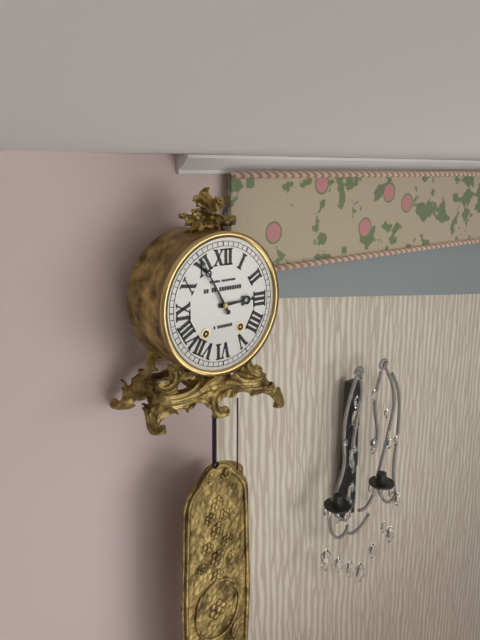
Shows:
2,55
